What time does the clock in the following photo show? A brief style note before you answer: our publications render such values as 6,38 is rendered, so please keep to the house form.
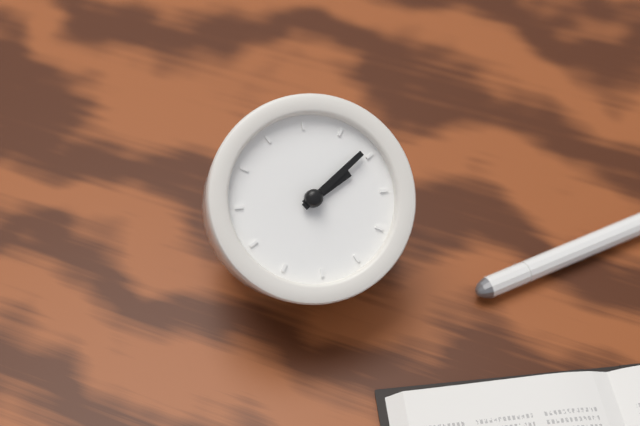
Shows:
1,04
